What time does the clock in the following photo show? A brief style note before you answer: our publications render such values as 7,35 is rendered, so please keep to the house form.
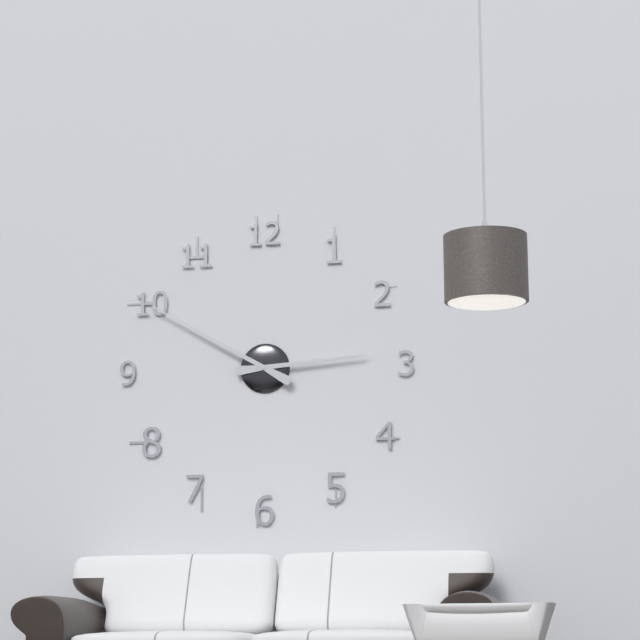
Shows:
2,50
